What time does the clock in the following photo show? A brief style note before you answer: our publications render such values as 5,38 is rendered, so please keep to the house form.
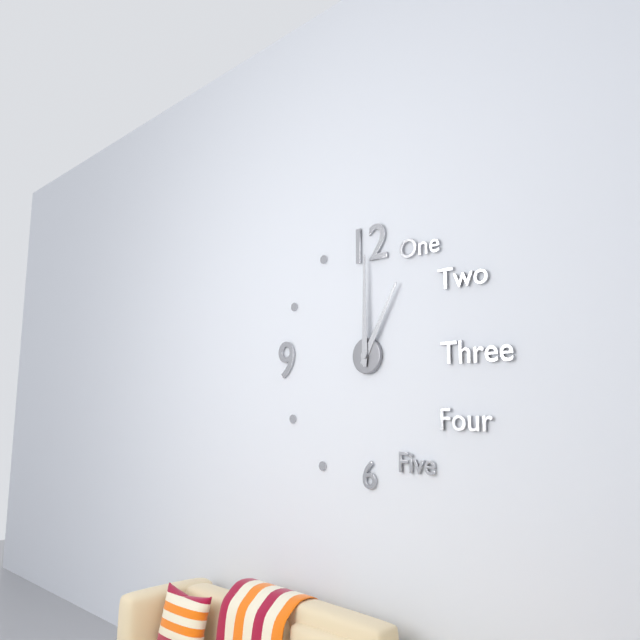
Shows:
1,00
